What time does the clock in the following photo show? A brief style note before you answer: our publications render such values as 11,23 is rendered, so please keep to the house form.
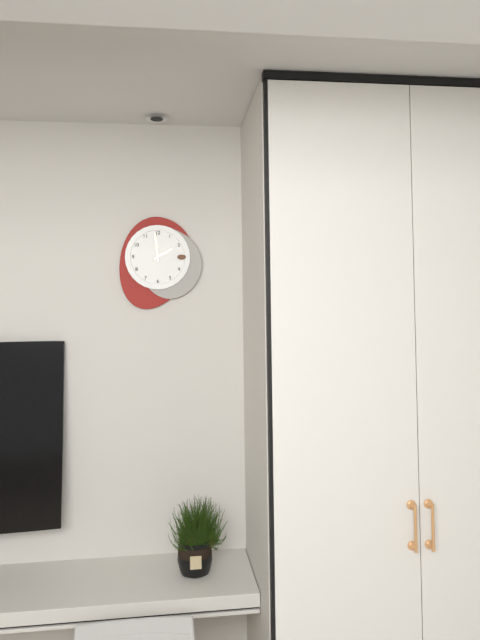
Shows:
1,59
